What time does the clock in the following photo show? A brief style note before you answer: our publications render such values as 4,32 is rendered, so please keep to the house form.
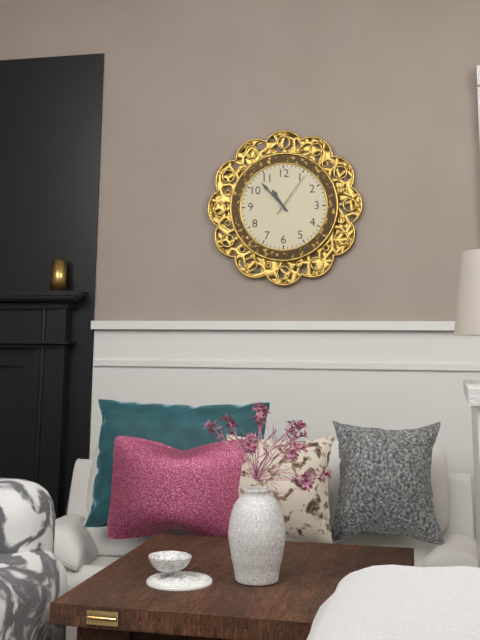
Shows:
10,53
